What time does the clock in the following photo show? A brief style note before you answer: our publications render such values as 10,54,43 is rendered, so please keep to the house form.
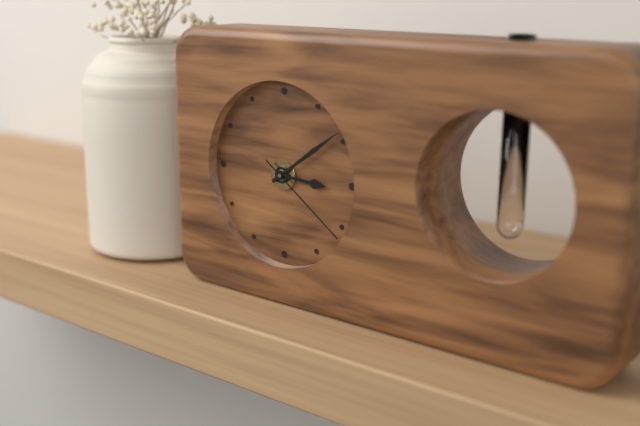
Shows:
3,09,21
